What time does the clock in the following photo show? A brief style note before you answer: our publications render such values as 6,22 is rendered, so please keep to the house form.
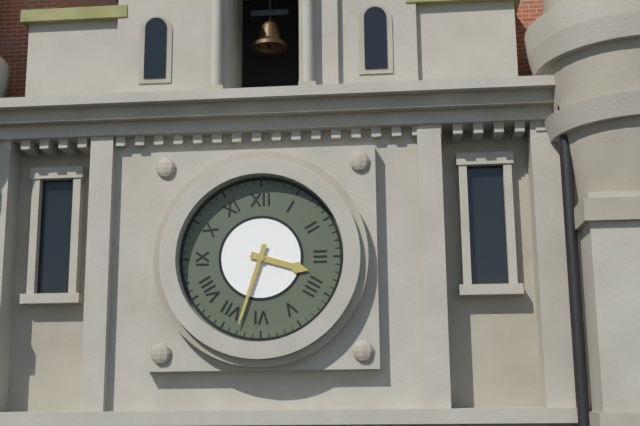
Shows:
3,33
